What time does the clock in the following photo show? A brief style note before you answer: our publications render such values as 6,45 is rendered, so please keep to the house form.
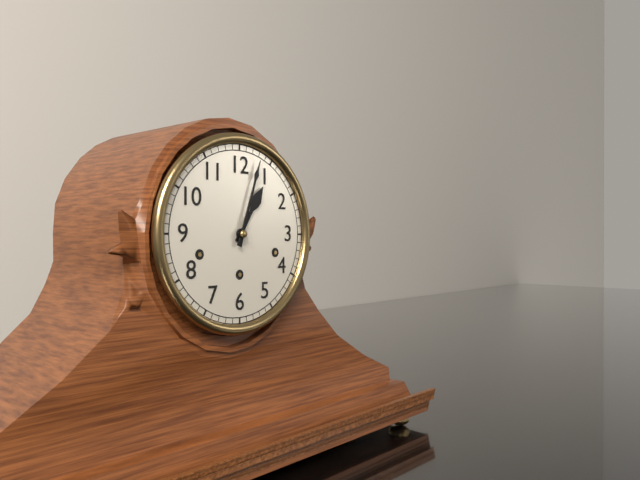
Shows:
1,03
